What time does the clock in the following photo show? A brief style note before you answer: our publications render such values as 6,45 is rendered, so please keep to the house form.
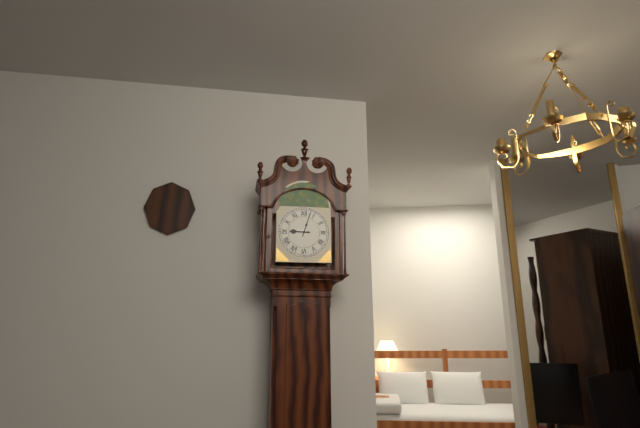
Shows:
9,03
